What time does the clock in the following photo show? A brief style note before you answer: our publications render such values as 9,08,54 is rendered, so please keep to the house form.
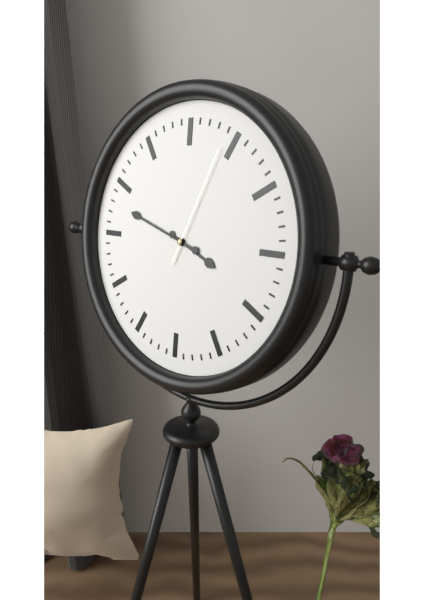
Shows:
3,48,04
